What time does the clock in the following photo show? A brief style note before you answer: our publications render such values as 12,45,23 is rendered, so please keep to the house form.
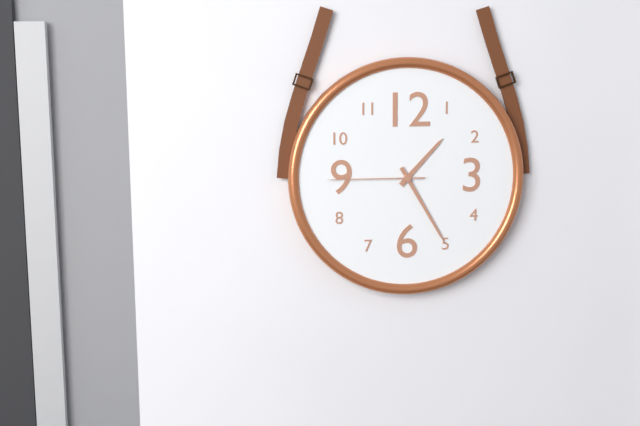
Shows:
1,25,45
